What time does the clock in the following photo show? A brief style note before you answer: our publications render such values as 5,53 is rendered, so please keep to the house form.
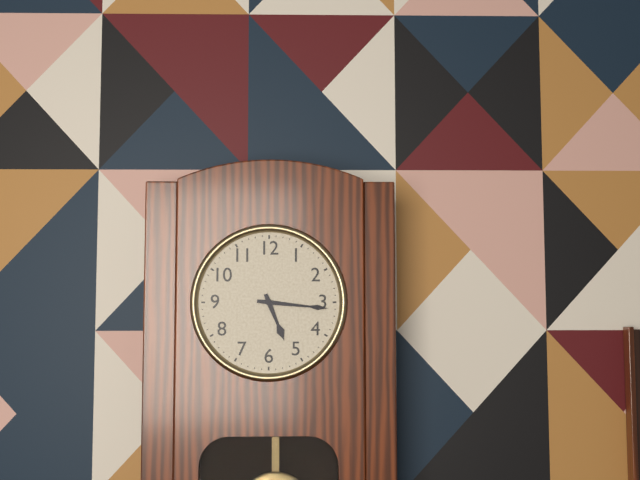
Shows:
5,16
